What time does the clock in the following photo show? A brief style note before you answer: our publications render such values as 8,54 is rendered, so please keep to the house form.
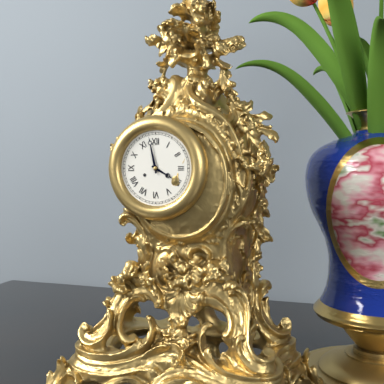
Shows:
3,58
